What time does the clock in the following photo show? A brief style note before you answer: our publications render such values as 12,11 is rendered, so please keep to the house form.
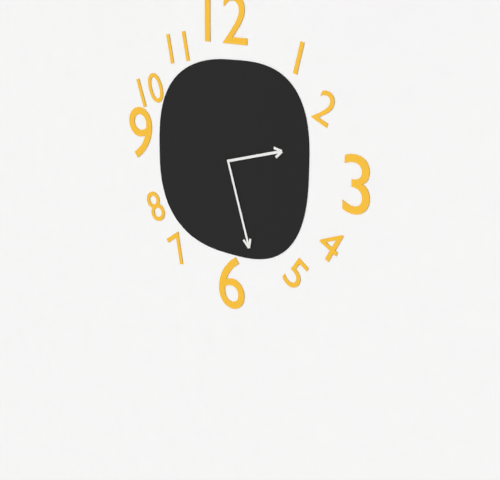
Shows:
2,27
